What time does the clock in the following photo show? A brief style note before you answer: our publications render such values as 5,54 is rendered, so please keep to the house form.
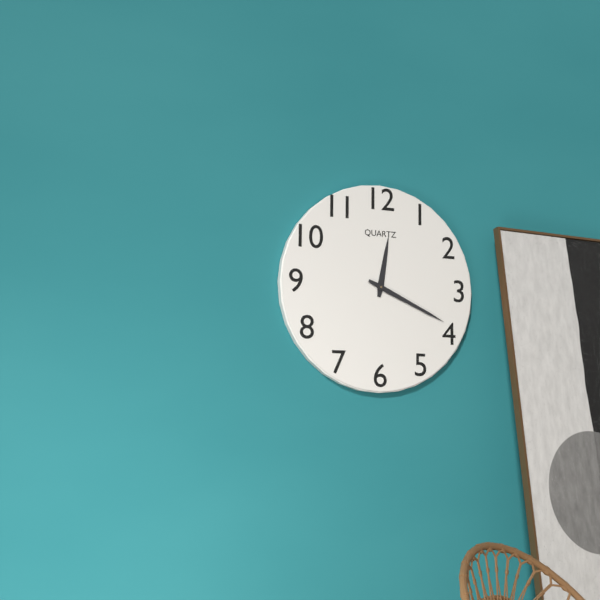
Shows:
12,19
